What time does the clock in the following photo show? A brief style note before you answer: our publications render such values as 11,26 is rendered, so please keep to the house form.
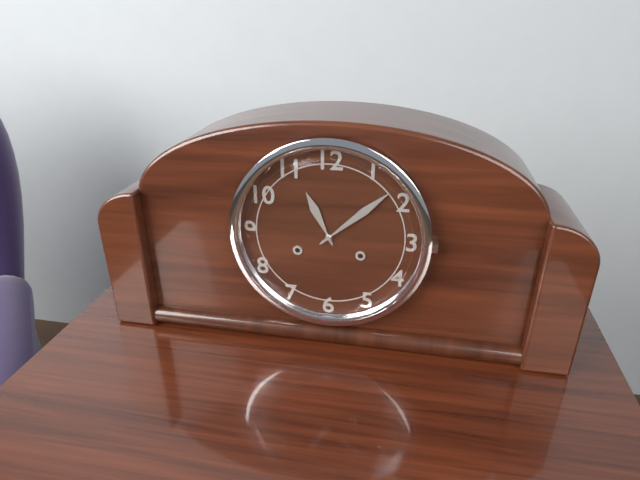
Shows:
11,08
